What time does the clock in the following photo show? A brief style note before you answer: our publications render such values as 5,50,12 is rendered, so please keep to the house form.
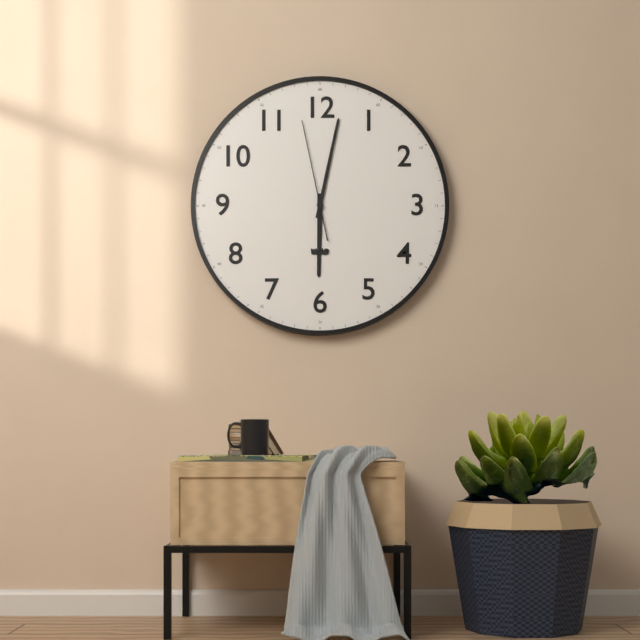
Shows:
6,02,58
